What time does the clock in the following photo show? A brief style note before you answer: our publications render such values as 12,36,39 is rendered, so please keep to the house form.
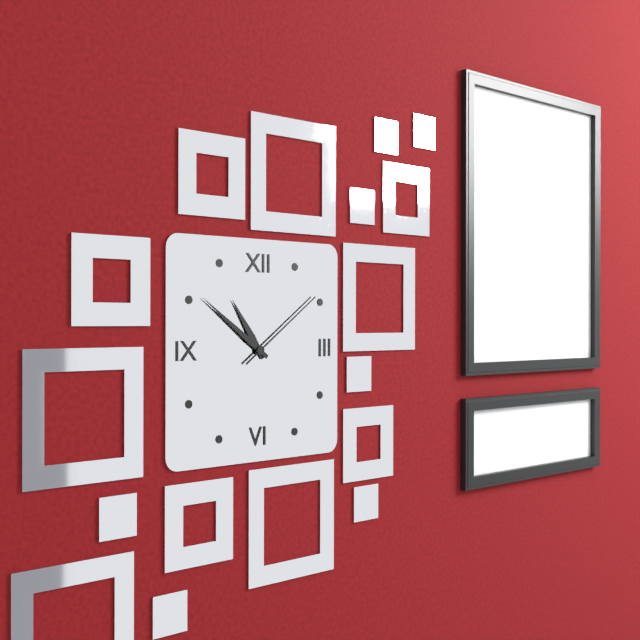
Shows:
10,51,09
